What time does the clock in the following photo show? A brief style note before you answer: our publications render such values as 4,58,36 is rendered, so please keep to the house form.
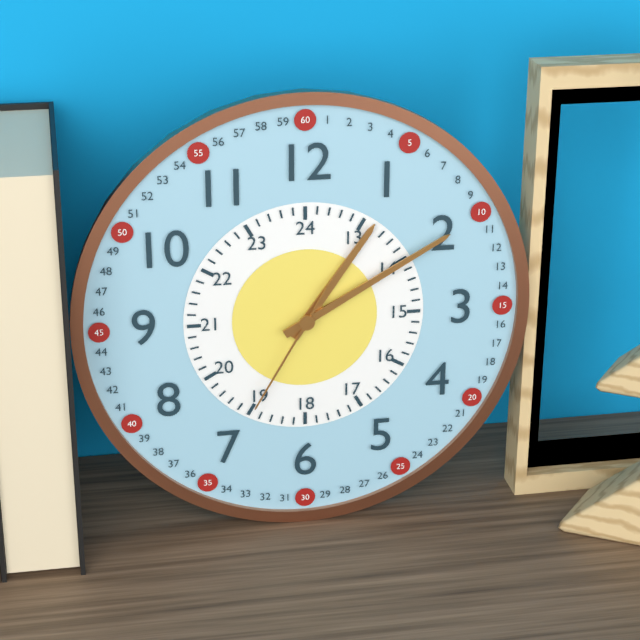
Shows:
1,10,35
